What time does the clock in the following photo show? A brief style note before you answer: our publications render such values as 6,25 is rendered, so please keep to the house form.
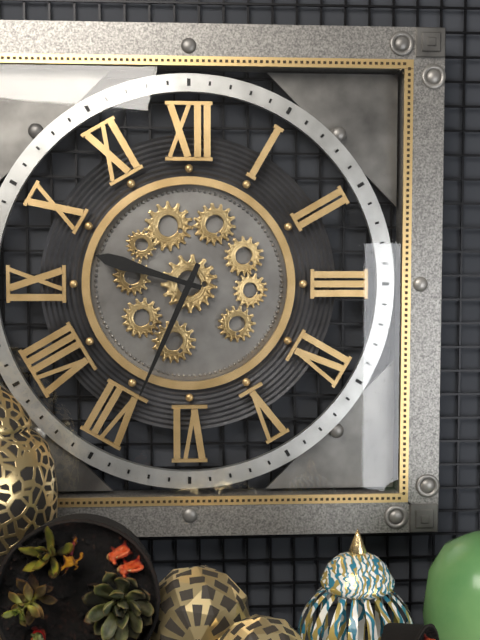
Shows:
9,34
